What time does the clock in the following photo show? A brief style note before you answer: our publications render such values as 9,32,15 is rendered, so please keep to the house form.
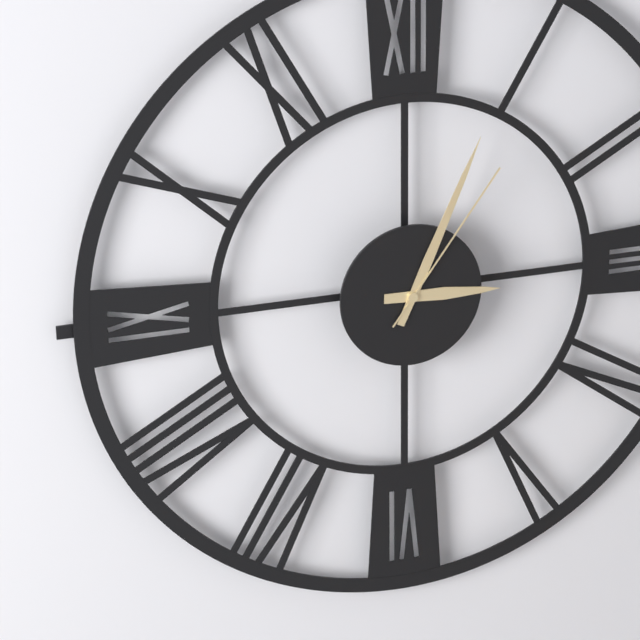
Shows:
3,04,06
